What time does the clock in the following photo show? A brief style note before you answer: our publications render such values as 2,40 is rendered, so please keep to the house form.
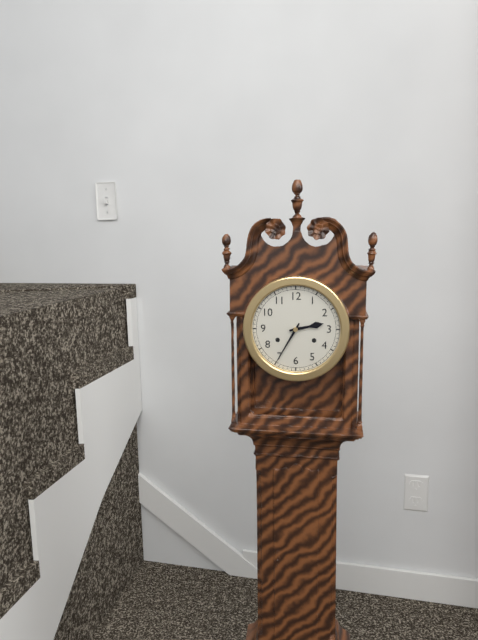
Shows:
2,35
